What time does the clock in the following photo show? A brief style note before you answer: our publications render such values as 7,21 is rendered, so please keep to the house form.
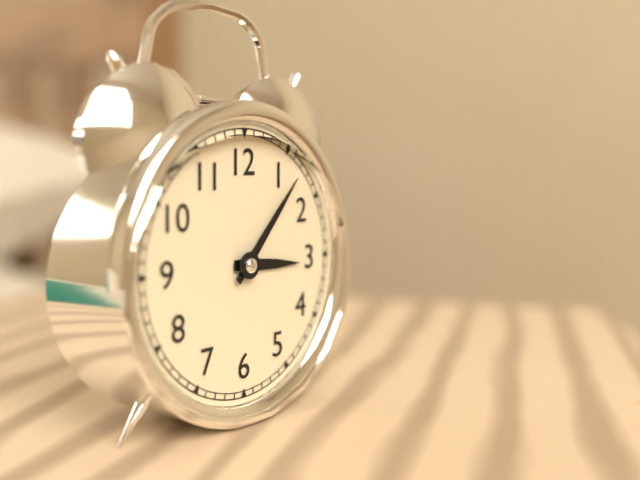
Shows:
3,07
